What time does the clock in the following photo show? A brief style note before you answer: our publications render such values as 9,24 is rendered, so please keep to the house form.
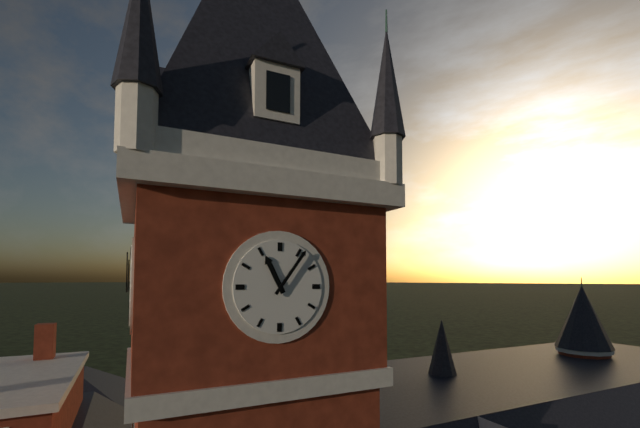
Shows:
11,06
